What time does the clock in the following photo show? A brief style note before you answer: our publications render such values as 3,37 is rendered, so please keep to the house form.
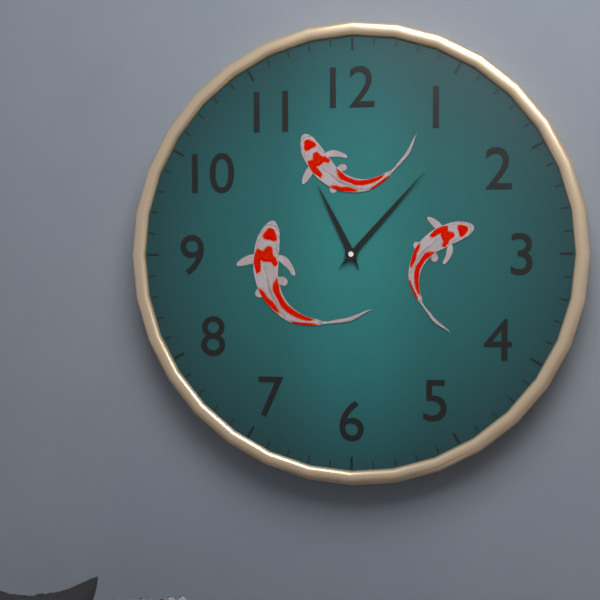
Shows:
11,07
